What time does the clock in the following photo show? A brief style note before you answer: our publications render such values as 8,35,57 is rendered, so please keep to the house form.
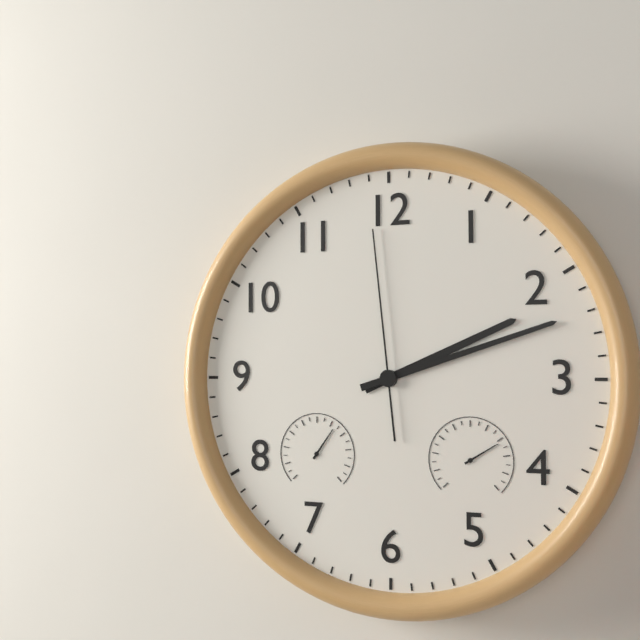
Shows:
2,12,59
